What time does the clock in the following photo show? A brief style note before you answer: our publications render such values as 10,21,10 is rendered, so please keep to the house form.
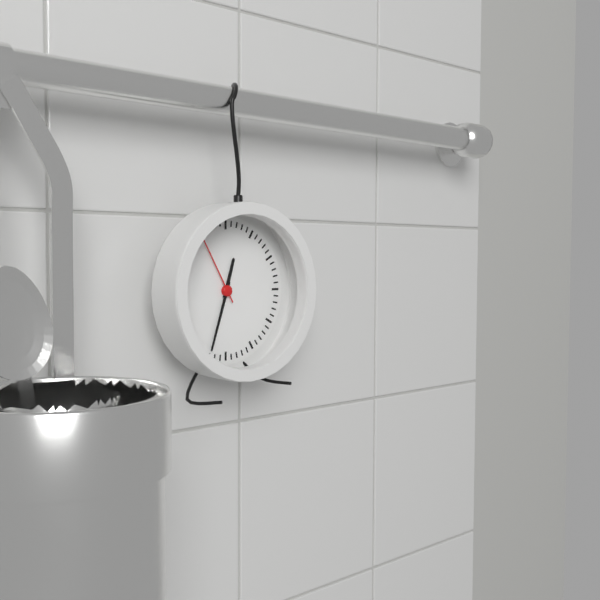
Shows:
12,33,55
